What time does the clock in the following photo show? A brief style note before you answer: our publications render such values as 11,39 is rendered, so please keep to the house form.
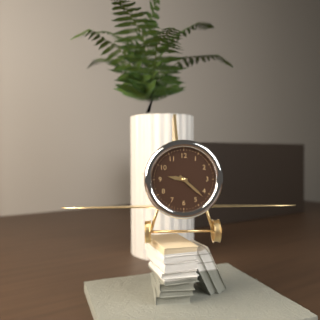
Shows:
9,22
